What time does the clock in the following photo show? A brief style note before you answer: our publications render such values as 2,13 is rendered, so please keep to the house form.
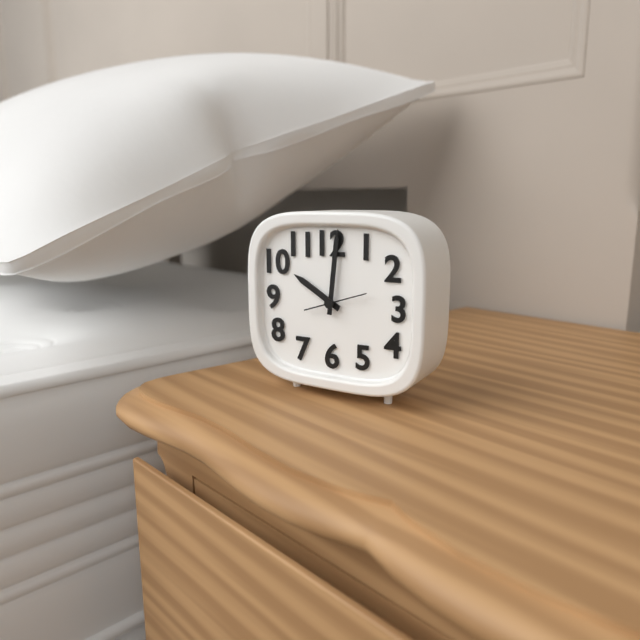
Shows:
10,01
